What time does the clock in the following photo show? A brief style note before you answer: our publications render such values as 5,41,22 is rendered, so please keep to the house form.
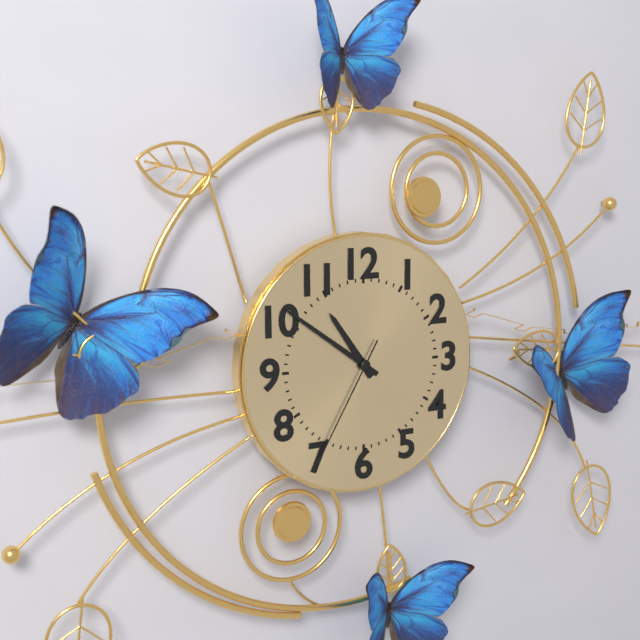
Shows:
10,51,35
